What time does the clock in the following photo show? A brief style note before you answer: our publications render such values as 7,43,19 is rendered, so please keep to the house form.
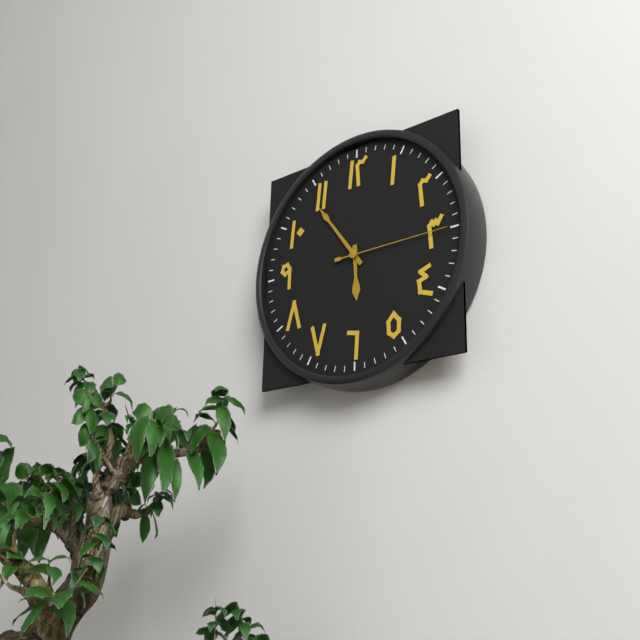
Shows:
5,54,15
